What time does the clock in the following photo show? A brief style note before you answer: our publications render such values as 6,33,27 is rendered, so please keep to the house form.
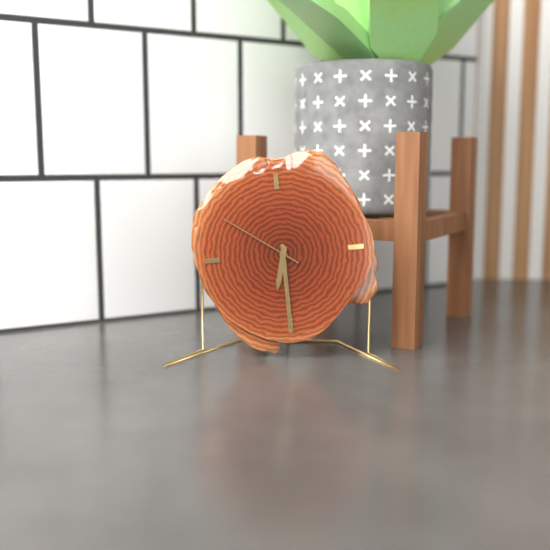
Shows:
6,30,51
